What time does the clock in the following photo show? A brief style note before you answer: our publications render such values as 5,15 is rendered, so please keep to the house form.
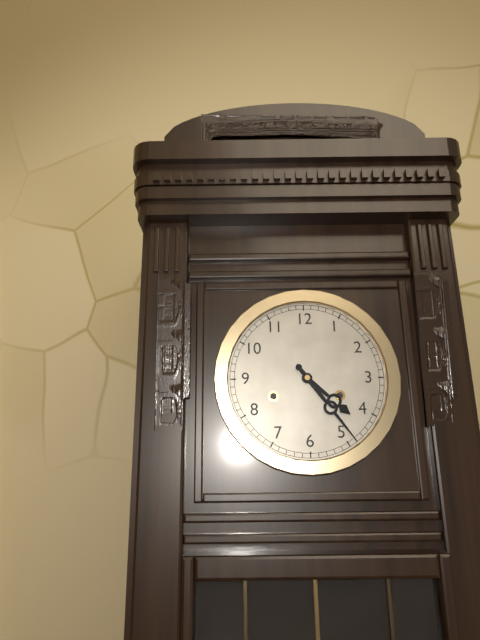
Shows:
4,24
